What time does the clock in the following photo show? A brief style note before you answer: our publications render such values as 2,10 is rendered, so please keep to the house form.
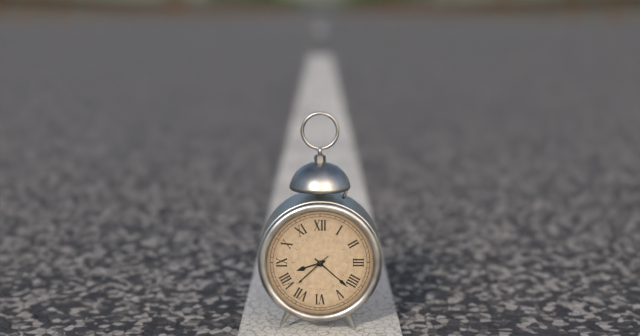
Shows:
8,22
